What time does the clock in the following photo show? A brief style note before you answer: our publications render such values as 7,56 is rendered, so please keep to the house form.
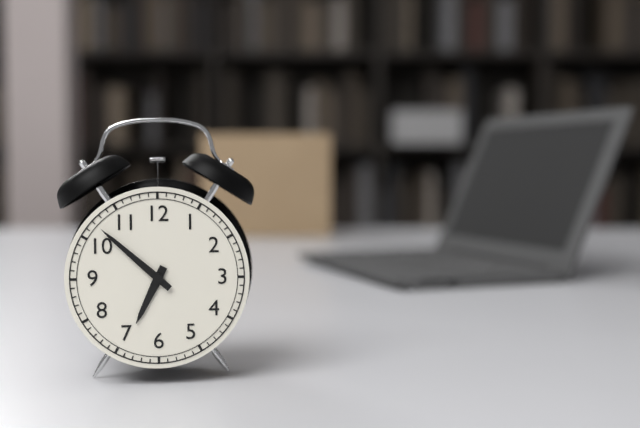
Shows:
6,52
